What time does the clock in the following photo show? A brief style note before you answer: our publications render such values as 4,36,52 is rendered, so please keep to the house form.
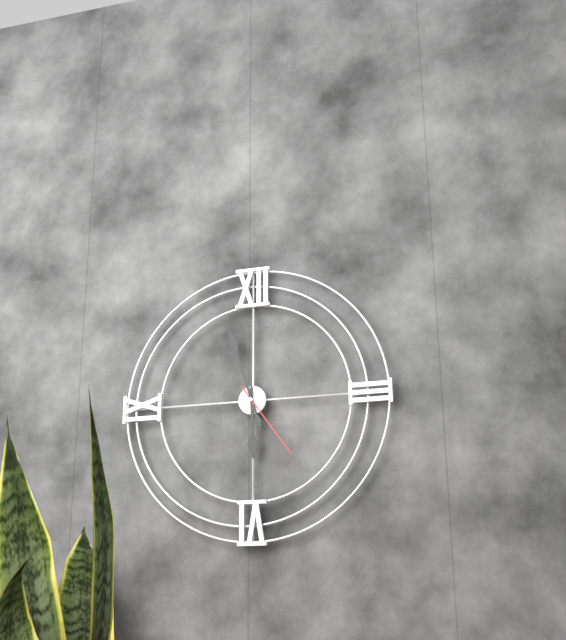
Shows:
5,57,24
